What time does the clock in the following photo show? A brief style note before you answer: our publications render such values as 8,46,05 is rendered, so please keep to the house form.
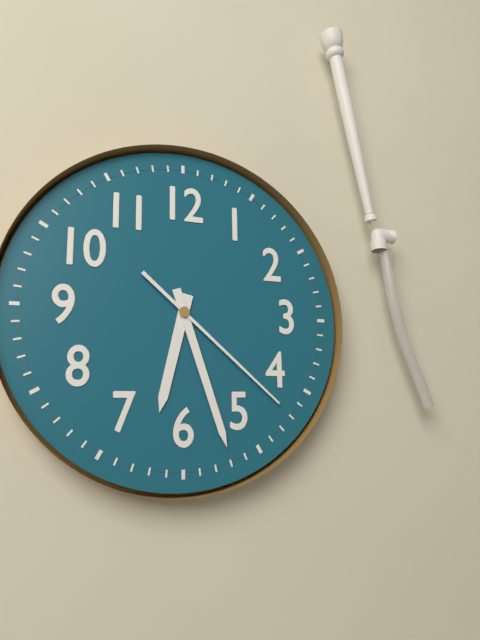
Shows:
6,27,22
